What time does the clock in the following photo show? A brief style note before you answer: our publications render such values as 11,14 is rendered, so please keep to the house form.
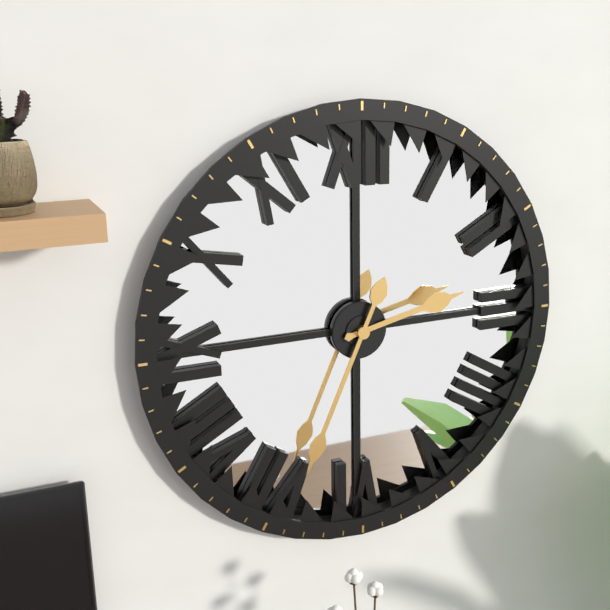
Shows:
2,34
